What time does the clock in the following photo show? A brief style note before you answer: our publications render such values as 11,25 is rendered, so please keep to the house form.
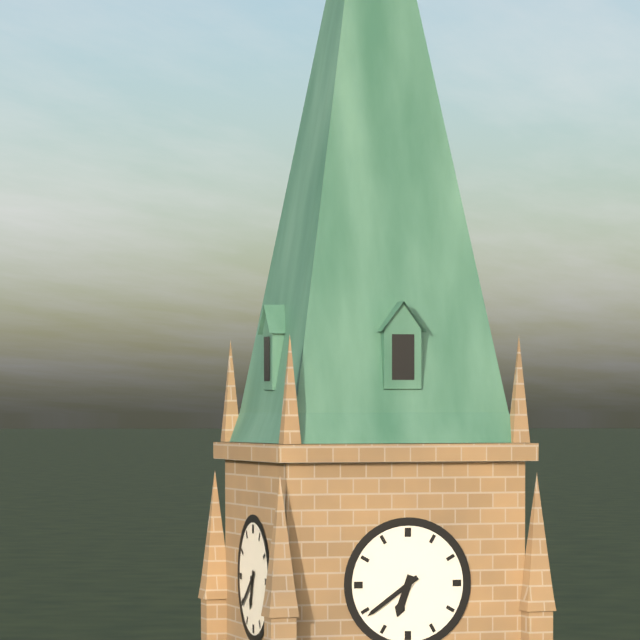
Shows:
6,39
